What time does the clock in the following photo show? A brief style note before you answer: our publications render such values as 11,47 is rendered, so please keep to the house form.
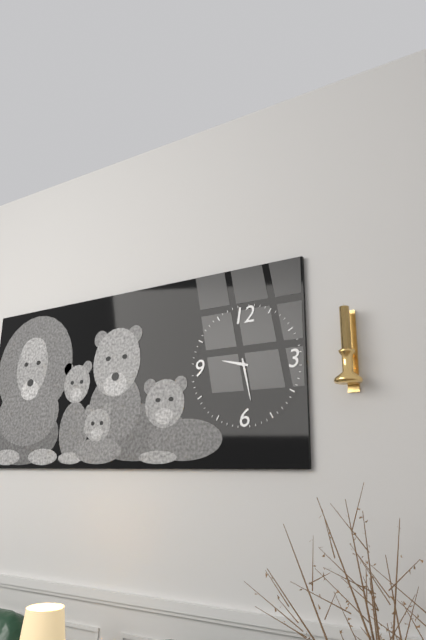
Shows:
9,28
